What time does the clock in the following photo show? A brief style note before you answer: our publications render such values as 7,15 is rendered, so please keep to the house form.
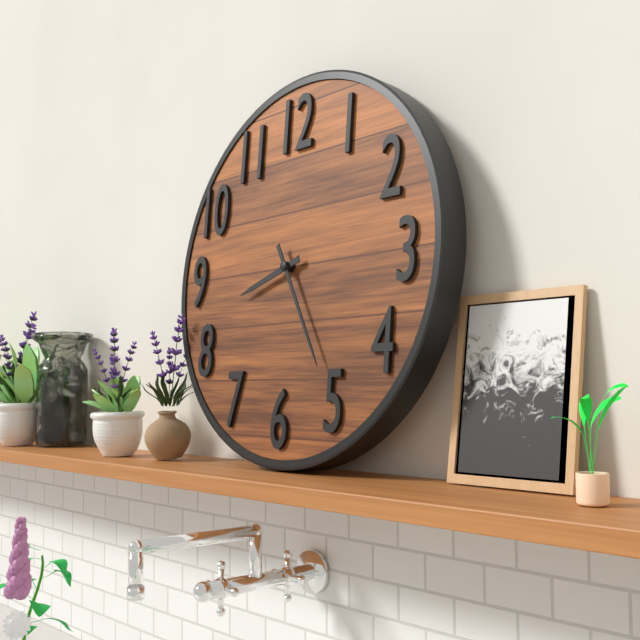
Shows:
8,25
